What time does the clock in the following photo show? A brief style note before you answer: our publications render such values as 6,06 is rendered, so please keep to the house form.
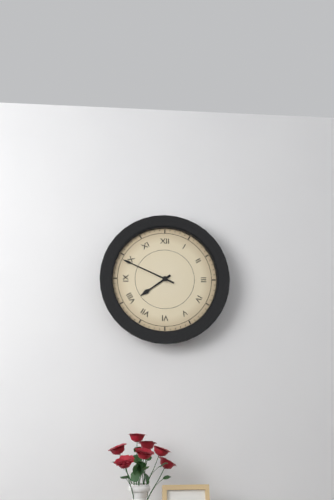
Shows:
7,49
